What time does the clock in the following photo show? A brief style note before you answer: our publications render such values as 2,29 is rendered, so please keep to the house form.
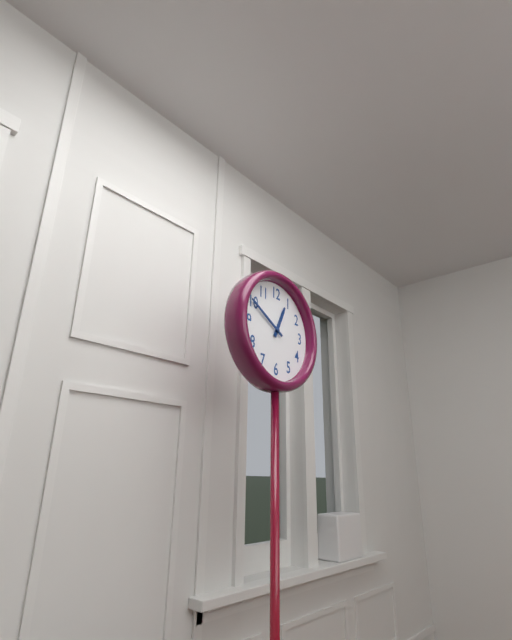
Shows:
12,50
